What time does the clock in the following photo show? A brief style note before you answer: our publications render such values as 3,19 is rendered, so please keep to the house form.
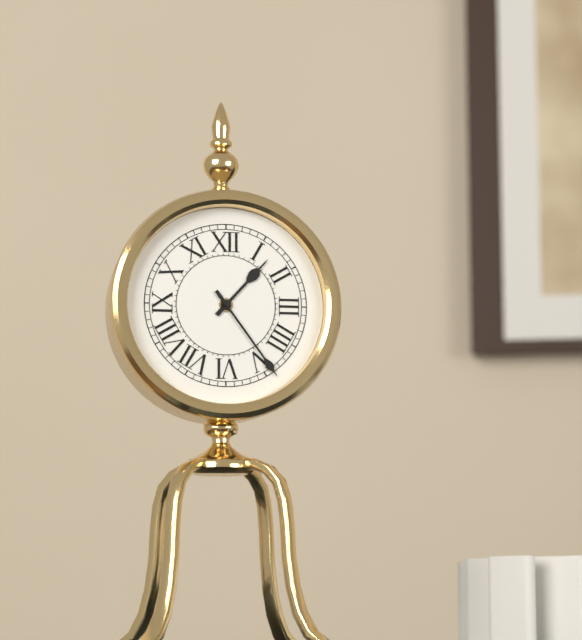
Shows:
1,24
